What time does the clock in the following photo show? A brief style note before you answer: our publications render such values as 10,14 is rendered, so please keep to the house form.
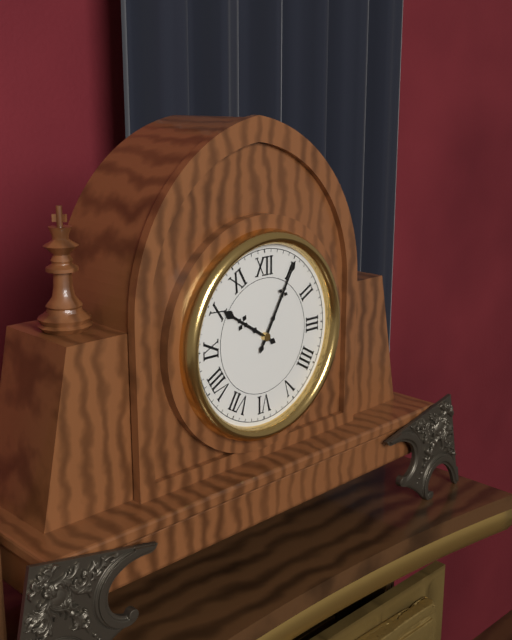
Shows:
10,05
